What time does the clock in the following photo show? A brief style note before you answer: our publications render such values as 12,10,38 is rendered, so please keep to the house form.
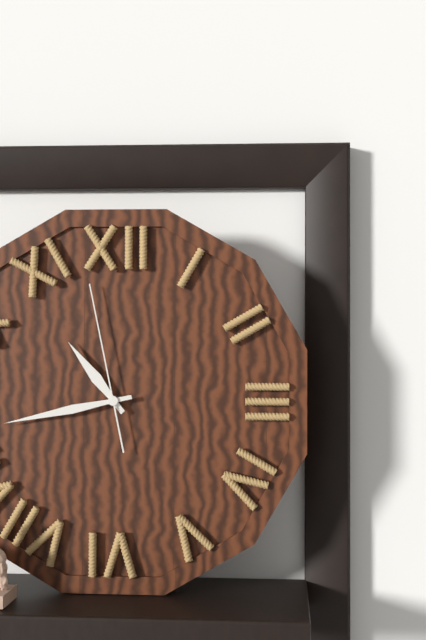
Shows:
10,43,58
